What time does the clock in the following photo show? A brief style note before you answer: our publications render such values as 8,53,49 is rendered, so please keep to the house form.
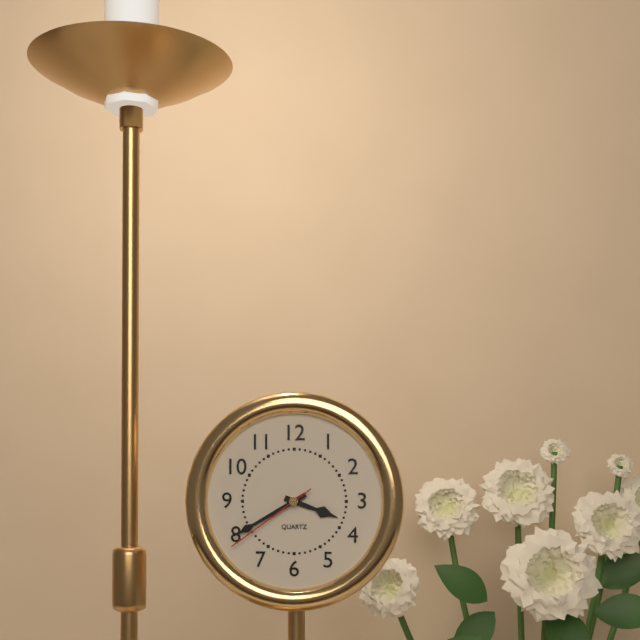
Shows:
3,40,39
